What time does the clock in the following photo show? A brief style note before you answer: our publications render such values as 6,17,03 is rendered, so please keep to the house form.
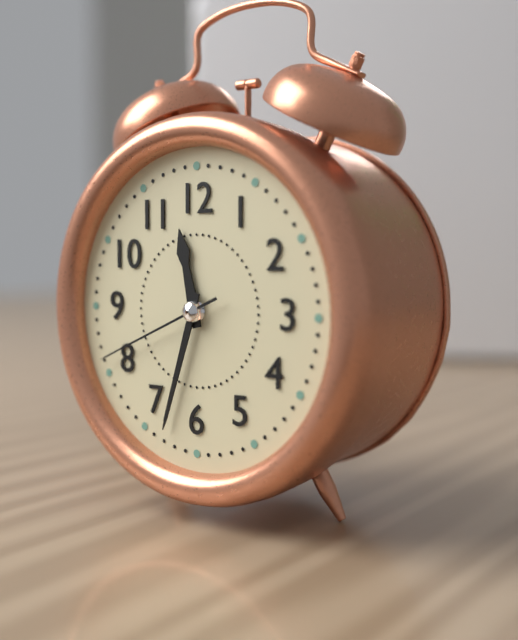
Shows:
11,33,41
